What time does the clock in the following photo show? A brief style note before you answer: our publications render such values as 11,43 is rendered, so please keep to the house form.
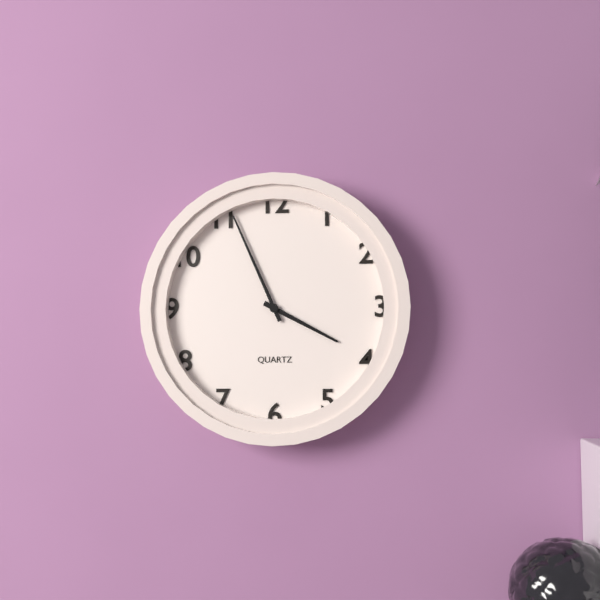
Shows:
3,56
